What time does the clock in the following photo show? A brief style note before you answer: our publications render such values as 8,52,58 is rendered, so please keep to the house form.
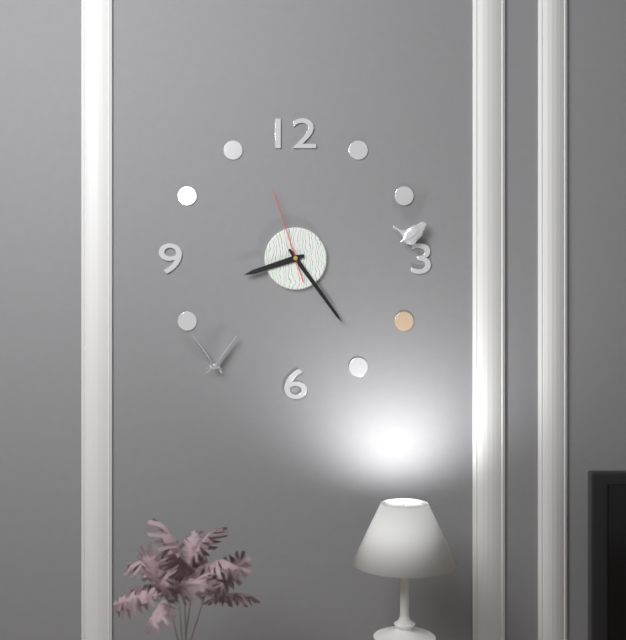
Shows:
8,24,57
